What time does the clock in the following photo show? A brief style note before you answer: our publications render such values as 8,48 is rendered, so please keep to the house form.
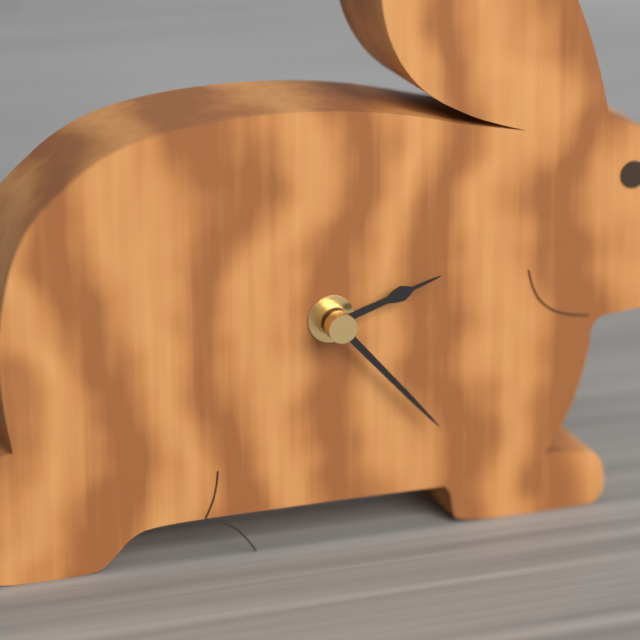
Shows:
2,23
